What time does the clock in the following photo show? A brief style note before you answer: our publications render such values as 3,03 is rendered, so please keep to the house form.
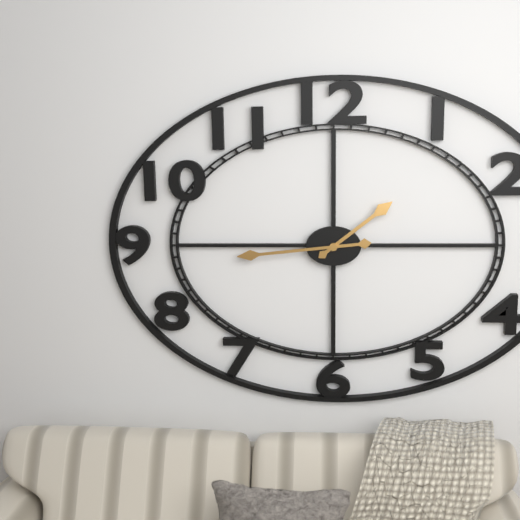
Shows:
1,44
